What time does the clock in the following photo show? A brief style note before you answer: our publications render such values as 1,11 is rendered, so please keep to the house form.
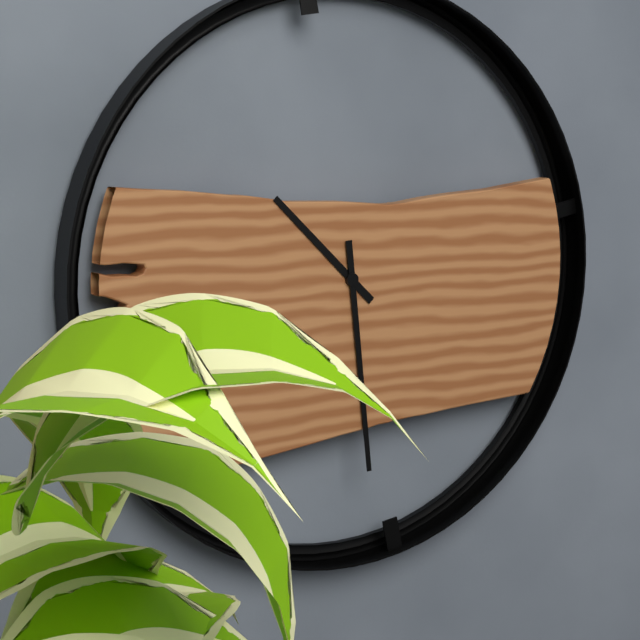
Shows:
10,29
